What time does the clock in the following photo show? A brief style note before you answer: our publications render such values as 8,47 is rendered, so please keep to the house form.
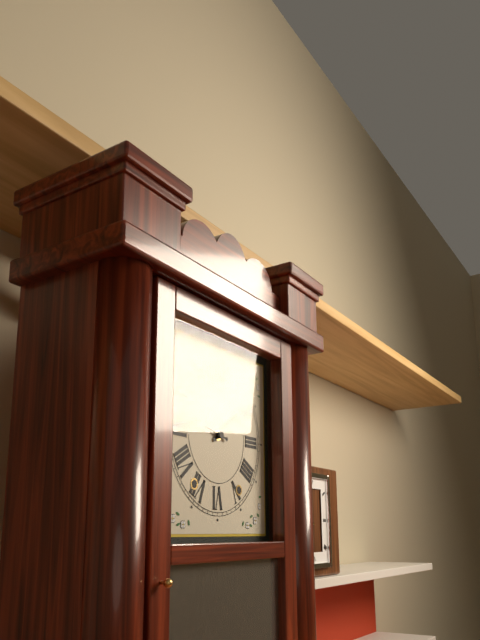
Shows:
1,47
